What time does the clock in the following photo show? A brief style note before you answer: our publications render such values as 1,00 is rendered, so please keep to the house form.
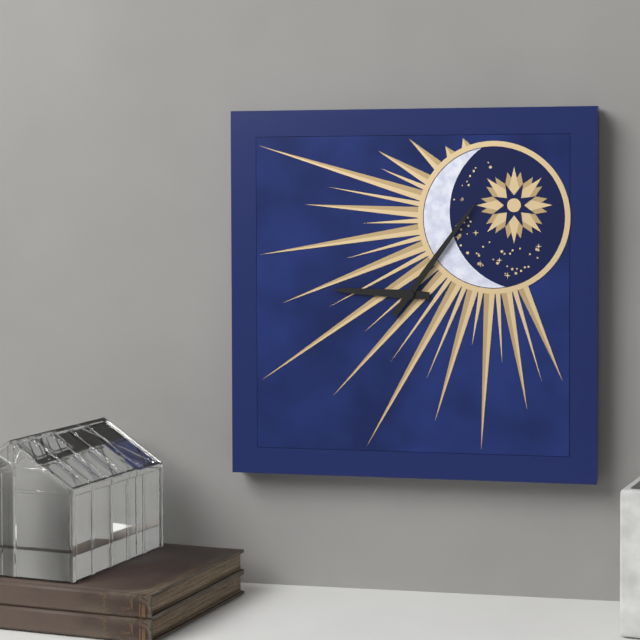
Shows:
9,06
